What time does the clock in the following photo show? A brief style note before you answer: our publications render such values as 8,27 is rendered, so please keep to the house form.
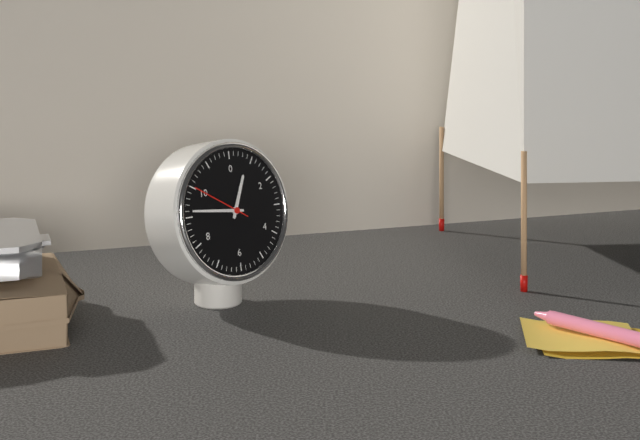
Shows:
12,46
